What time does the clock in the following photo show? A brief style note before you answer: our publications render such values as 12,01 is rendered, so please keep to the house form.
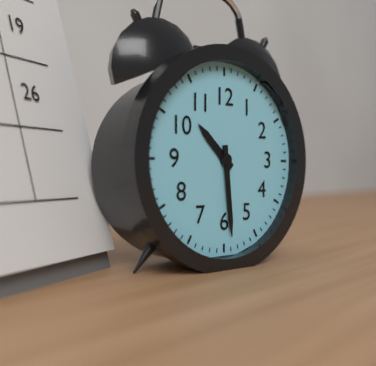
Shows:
10,29
